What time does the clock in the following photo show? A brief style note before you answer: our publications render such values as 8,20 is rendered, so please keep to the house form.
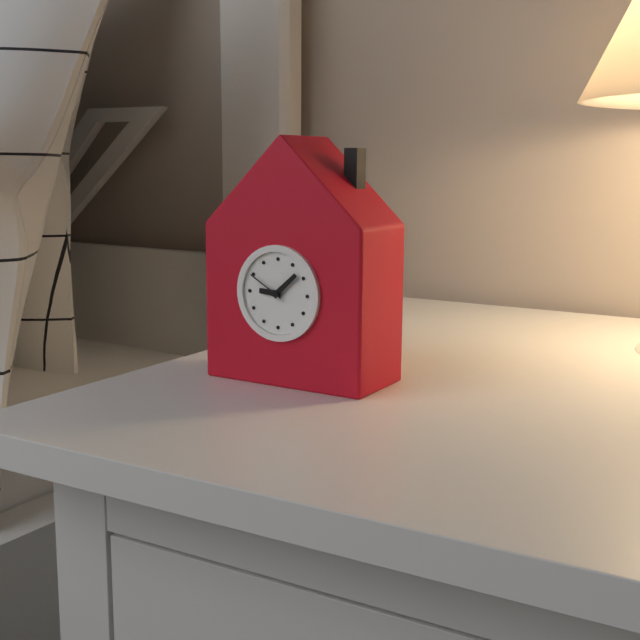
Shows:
9,08
